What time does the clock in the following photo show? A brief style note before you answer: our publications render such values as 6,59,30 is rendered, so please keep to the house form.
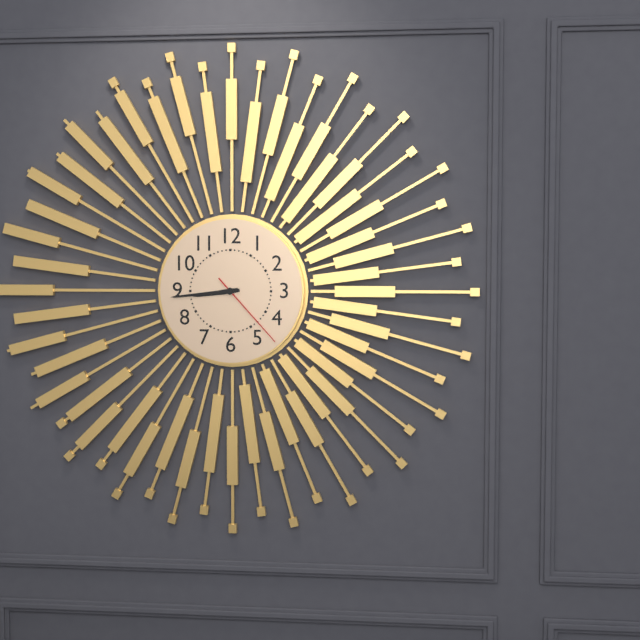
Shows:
8,44,23
